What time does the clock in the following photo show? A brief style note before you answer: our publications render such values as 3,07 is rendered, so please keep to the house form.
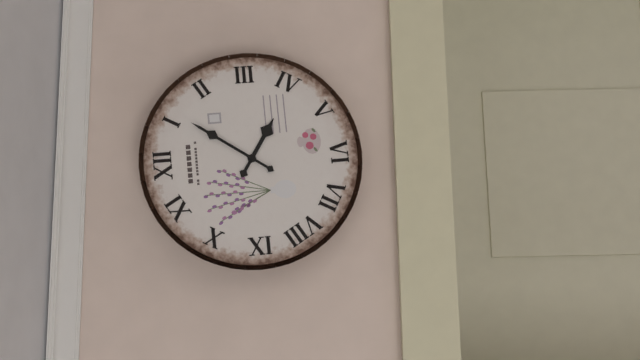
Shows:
4,06
